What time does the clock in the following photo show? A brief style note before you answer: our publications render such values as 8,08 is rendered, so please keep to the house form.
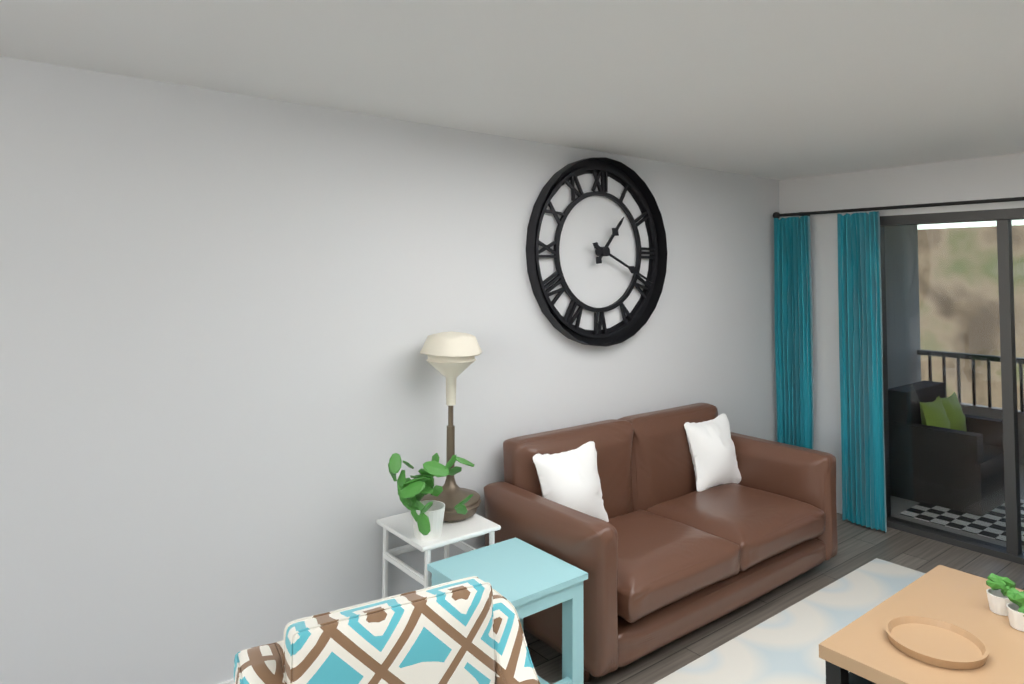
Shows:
1,19
